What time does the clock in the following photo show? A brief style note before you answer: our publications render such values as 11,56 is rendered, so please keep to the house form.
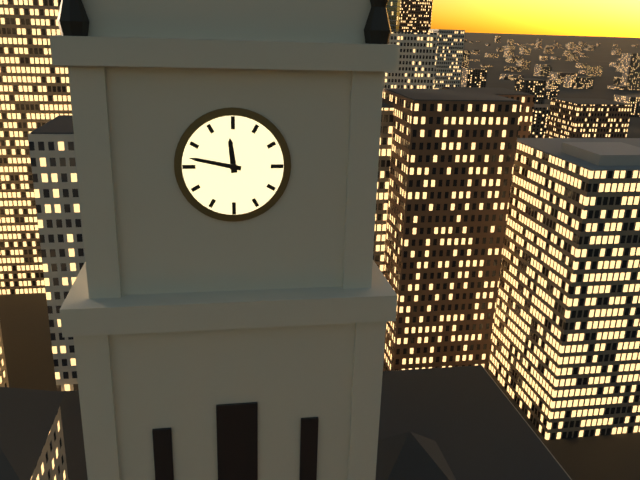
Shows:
11,47
